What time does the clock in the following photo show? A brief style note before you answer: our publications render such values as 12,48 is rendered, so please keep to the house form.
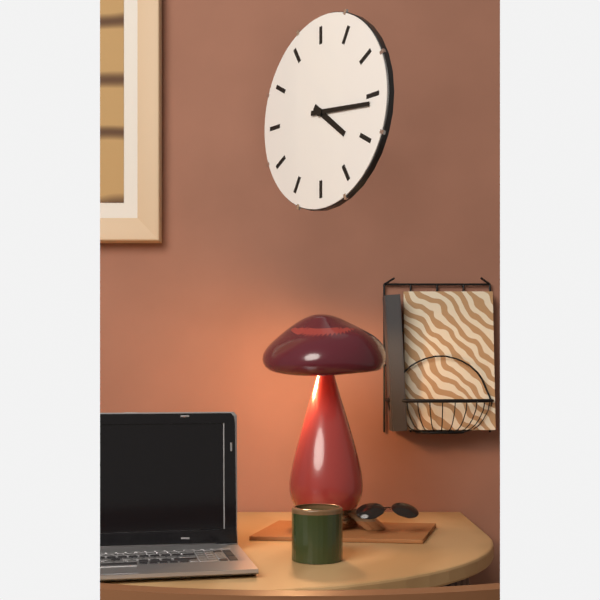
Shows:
4,16
